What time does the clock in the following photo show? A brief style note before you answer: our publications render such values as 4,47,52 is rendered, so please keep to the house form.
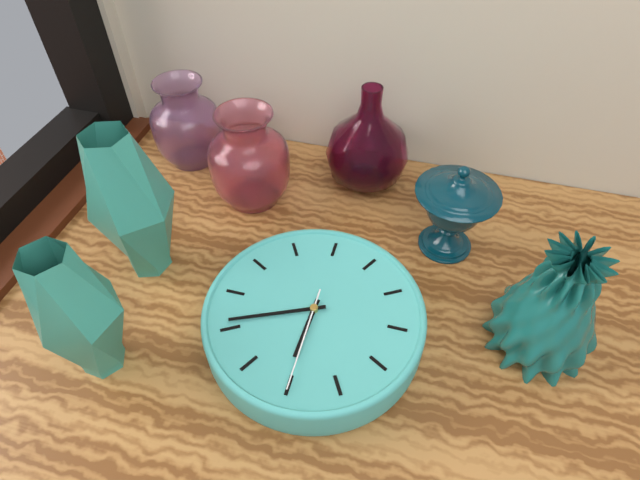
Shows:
11,06,55
